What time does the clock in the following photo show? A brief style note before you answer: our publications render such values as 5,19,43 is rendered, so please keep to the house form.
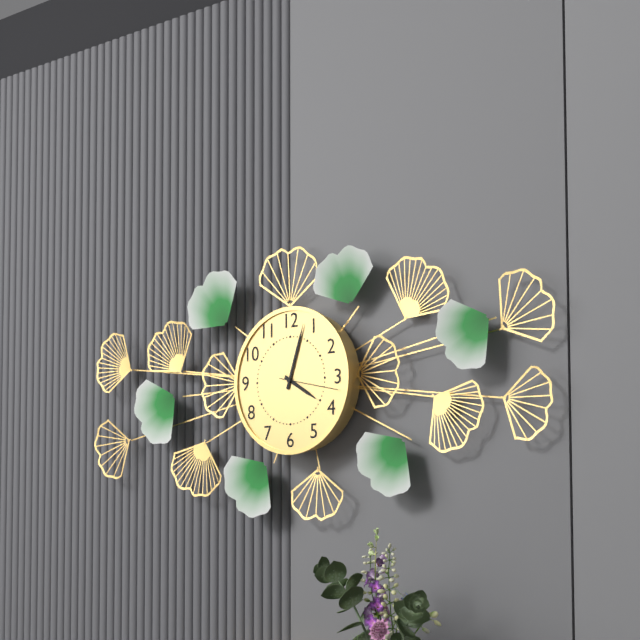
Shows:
4,03,17
